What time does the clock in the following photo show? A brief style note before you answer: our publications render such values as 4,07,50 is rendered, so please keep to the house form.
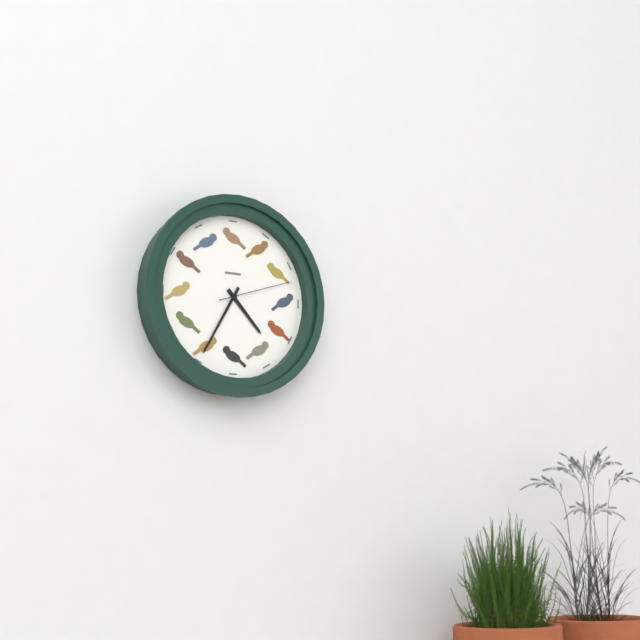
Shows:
4,35,12
